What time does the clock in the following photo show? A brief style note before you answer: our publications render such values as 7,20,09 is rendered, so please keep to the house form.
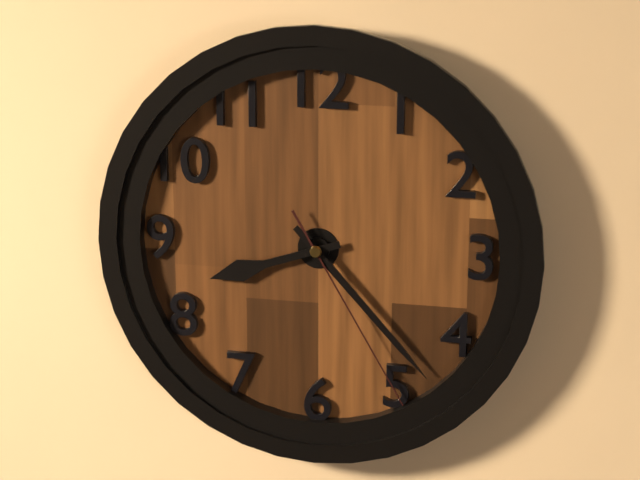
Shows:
8,23,25
